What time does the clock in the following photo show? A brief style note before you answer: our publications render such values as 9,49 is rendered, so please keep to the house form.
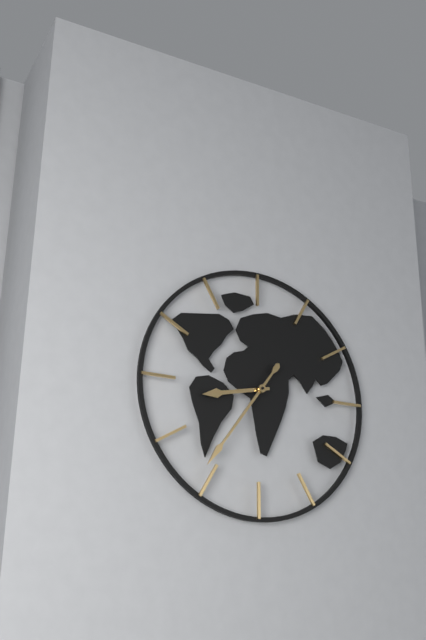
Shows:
8,36
